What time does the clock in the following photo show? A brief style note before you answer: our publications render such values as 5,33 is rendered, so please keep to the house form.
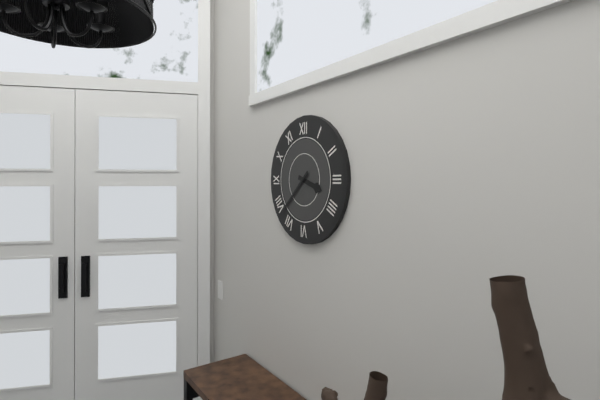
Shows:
3,38
